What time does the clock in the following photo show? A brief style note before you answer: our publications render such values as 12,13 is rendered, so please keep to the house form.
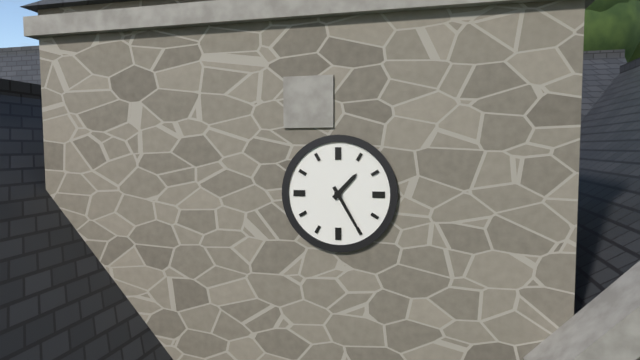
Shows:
1,25
